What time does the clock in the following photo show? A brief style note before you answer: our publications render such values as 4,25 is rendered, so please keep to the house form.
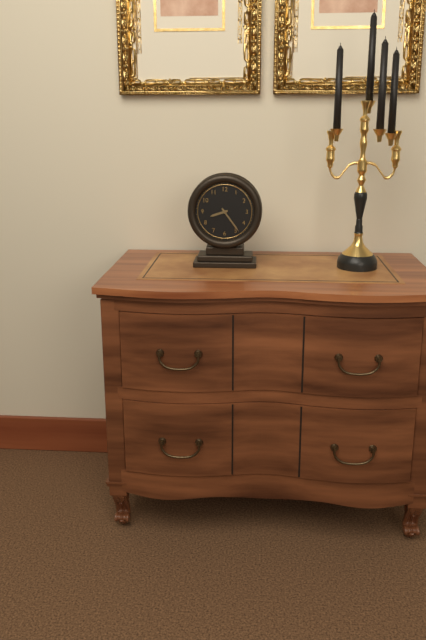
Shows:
8,24
